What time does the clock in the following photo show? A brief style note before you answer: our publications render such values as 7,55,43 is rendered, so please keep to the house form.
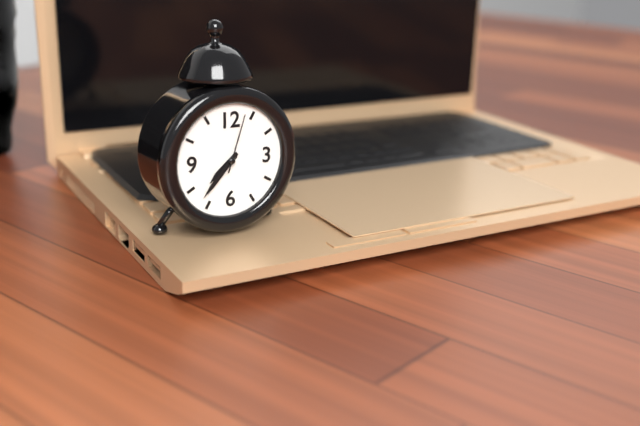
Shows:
7,37,03
